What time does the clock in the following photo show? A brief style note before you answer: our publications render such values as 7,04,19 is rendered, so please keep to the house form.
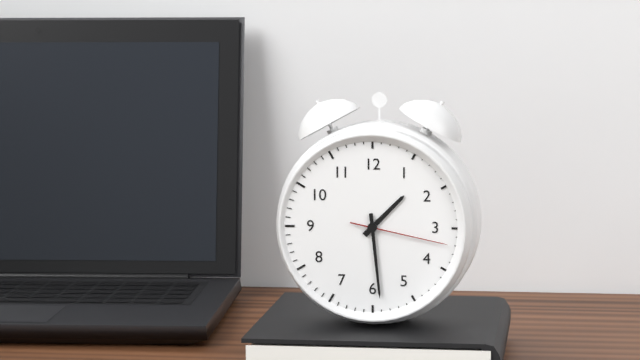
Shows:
1,29,17
